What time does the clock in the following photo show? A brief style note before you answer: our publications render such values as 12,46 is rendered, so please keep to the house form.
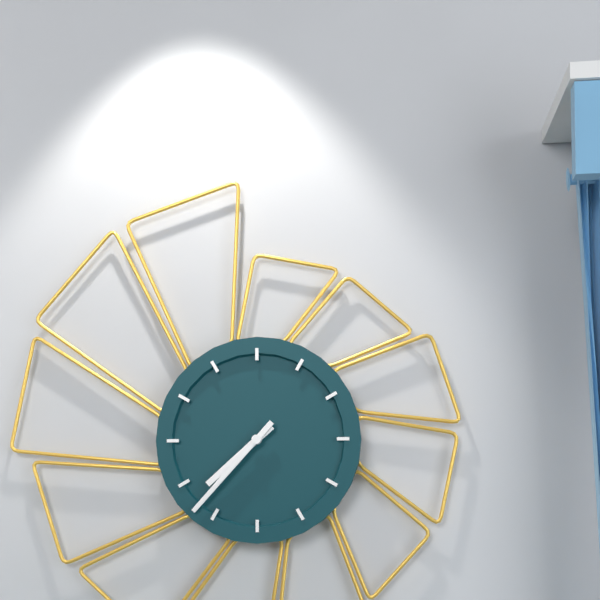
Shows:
7,37
